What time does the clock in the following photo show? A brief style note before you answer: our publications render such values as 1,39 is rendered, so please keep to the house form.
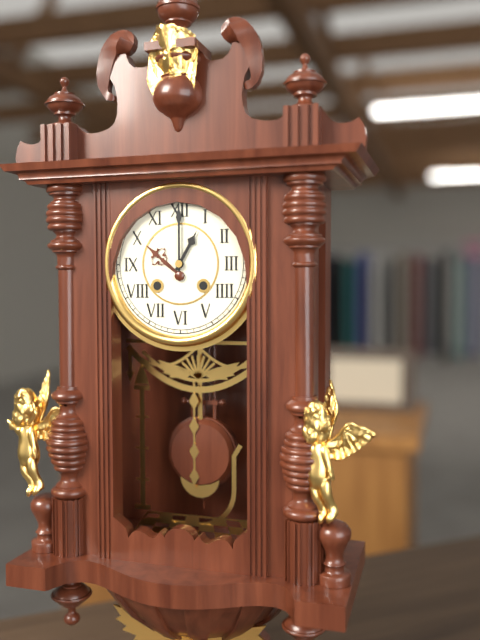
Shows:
1,00
